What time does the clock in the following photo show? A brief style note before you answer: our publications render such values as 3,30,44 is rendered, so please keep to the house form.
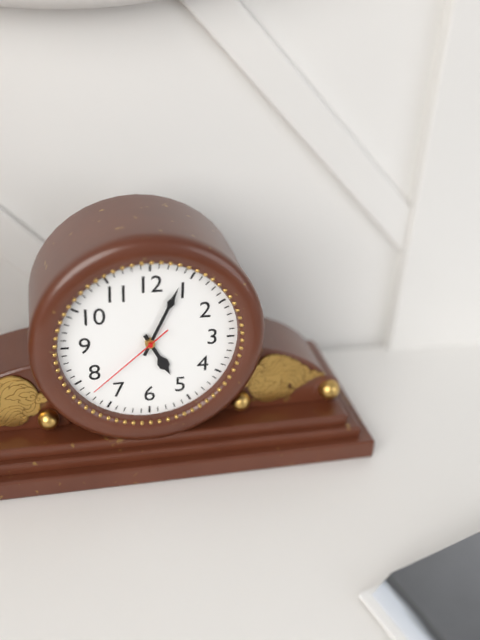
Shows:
5,04,38
